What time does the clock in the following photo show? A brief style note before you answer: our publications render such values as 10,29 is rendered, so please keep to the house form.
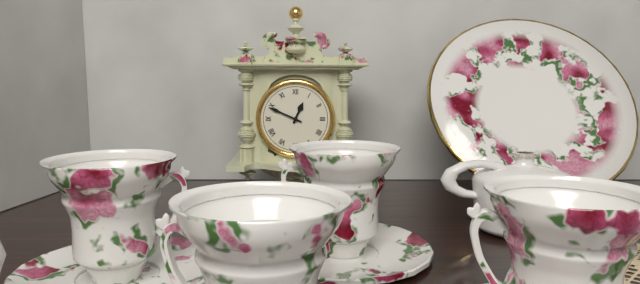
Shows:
12,49
